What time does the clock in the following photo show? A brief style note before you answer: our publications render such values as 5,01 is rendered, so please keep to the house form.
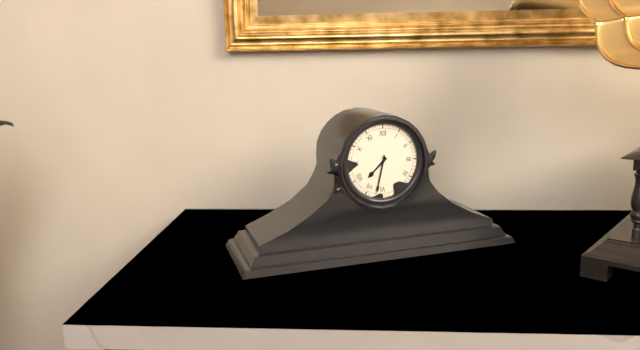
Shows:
7,32
